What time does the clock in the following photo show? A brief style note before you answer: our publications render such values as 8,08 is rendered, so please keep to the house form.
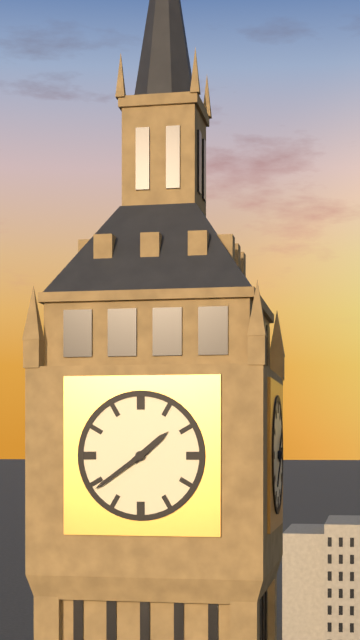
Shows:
1,39
